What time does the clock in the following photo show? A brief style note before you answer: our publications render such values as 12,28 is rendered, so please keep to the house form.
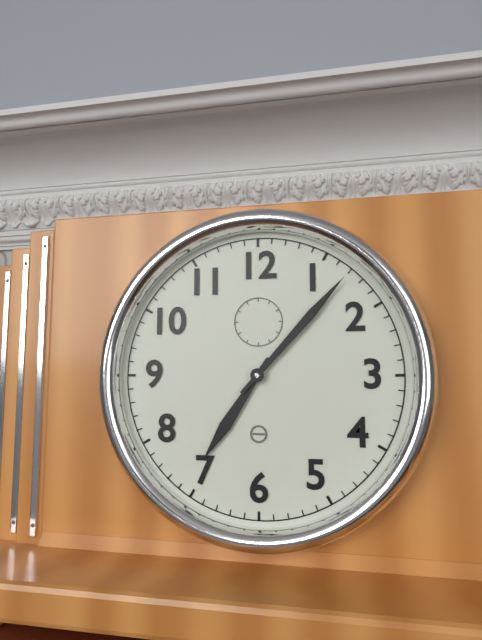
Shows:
7,07
